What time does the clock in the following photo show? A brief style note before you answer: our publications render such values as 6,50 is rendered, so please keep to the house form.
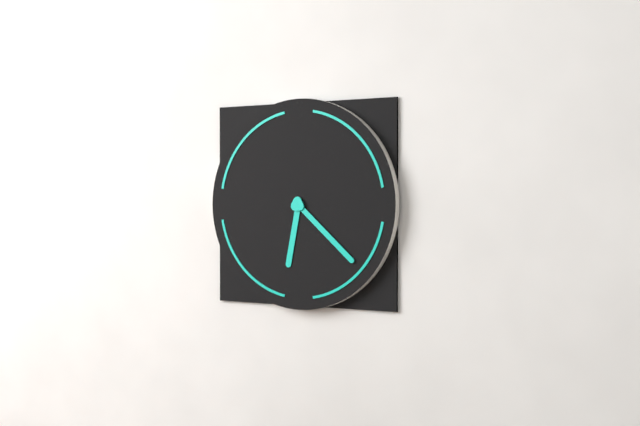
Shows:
6,22
